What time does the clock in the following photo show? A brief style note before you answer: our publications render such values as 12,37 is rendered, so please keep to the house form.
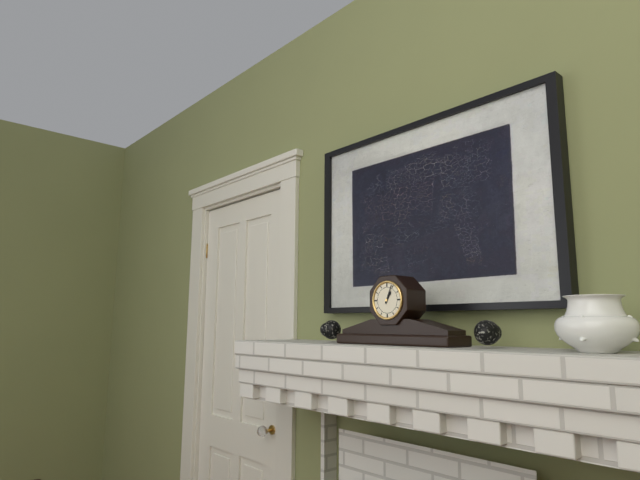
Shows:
1,04
